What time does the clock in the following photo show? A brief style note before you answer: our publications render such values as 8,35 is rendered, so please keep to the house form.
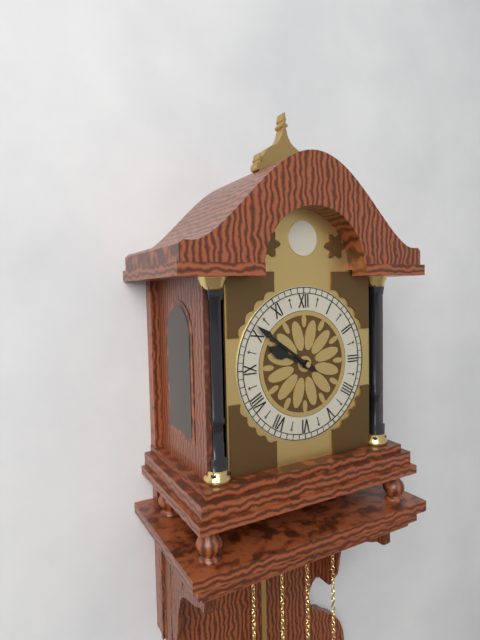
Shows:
9,51
